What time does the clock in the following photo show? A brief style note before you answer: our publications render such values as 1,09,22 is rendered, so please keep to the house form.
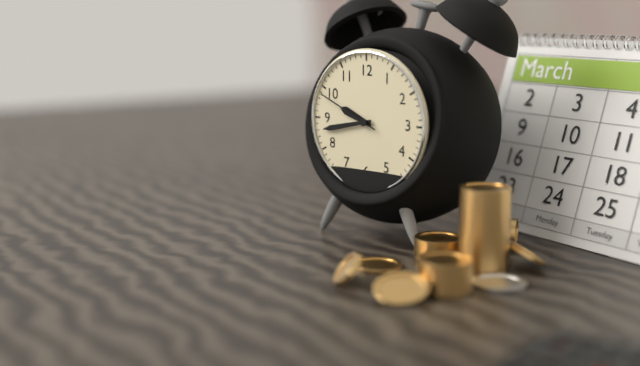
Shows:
9,43,49
